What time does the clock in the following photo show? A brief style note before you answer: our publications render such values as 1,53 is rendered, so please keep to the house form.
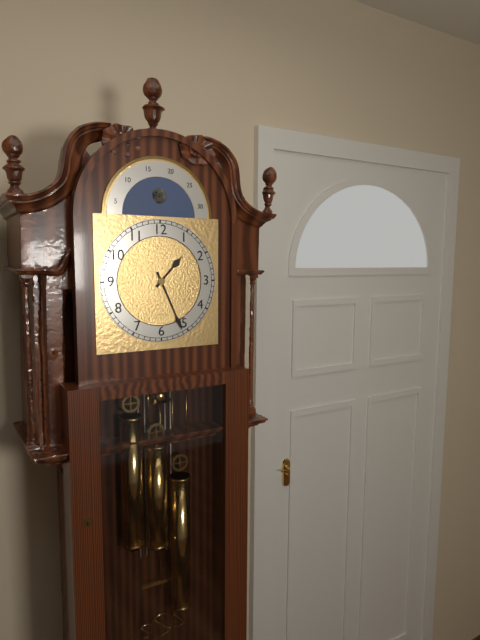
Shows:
1,26
